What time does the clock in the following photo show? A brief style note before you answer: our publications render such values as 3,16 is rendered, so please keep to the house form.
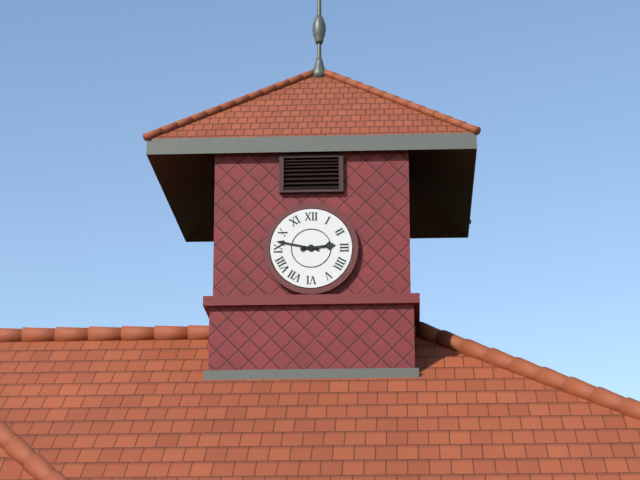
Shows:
2,47
